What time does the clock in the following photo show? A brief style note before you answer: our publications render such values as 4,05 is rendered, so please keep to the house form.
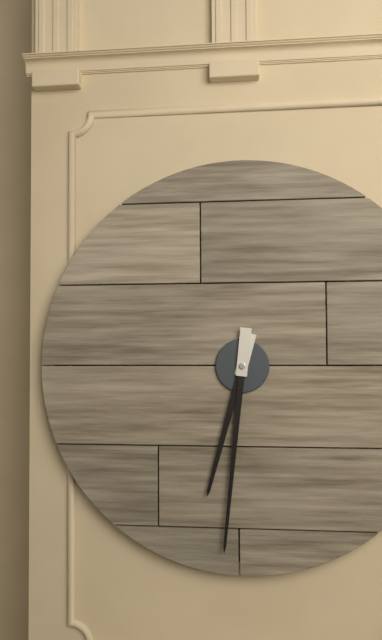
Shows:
6,31
